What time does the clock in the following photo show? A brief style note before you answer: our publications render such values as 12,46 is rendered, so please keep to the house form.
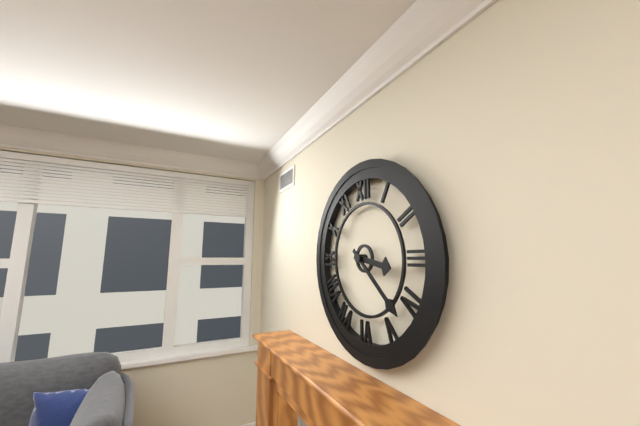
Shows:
3,22
